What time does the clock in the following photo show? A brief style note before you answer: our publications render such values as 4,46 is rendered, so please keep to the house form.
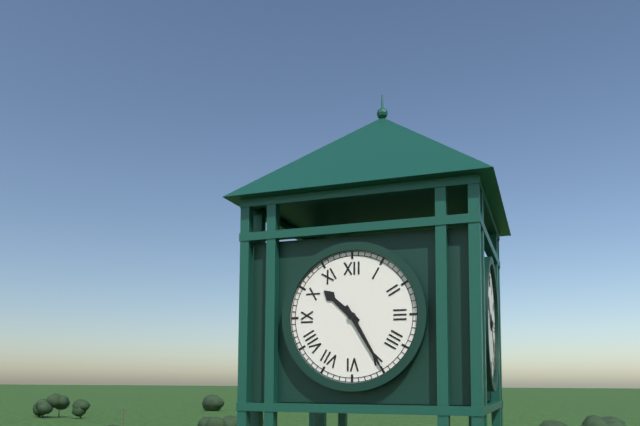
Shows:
10,25
